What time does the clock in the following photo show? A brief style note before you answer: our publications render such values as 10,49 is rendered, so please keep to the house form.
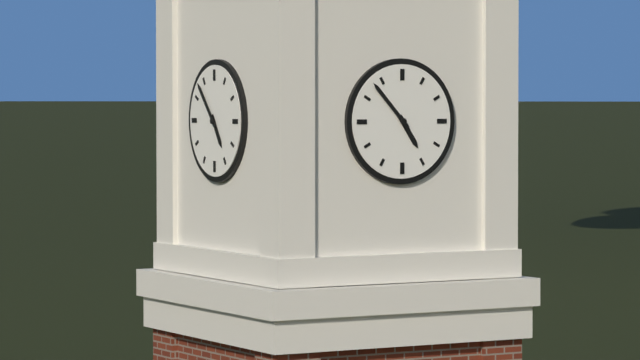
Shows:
4,53
